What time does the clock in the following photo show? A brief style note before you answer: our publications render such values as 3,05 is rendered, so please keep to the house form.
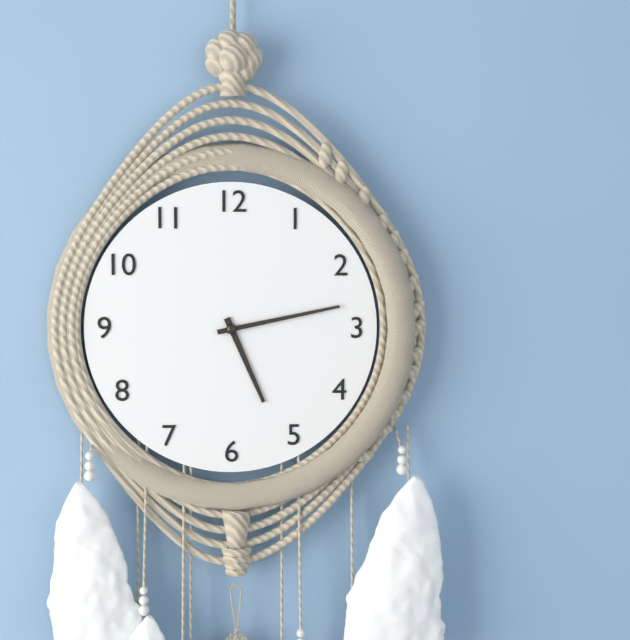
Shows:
5,13
